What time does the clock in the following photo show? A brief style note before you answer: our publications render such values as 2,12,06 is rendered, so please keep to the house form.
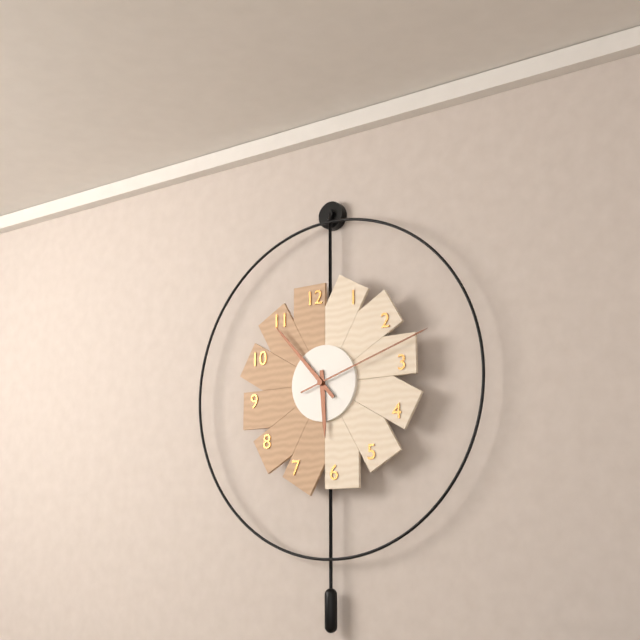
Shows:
5,53,12
